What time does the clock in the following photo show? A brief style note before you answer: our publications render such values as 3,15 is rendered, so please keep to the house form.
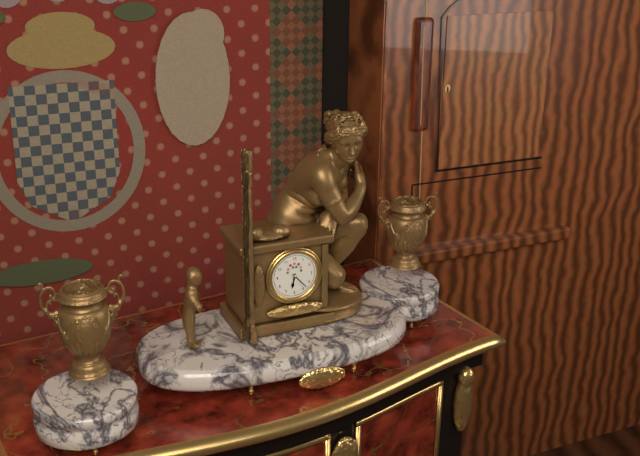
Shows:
6,23
